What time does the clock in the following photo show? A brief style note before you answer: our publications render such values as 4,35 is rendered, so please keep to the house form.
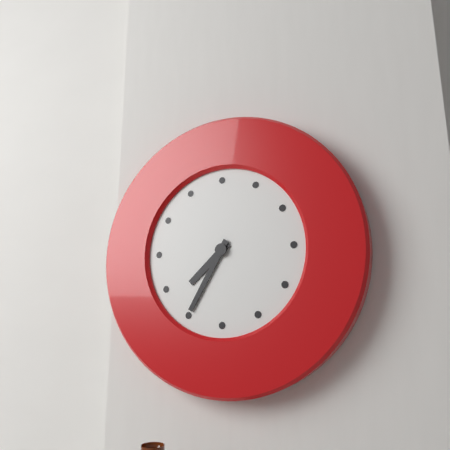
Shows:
7,35
